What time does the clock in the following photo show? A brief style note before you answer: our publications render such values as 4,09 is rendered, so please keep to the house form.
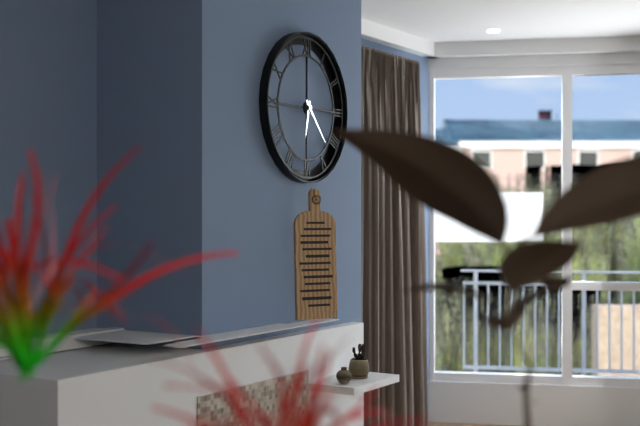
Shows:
6,23
